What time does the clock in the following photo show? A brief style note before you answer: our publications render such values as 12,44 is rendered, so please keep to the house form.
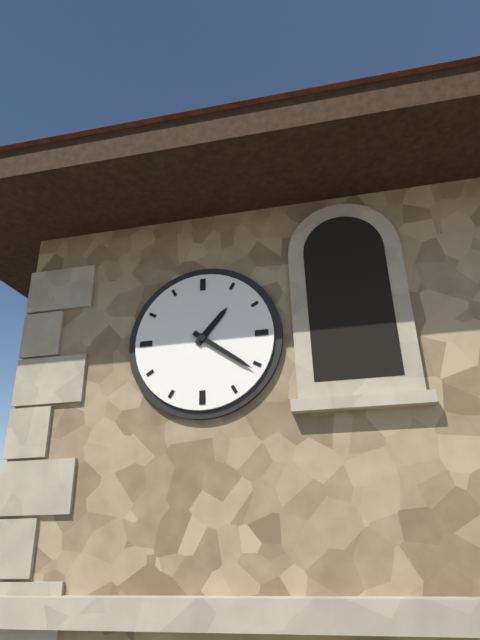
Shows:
1,21
